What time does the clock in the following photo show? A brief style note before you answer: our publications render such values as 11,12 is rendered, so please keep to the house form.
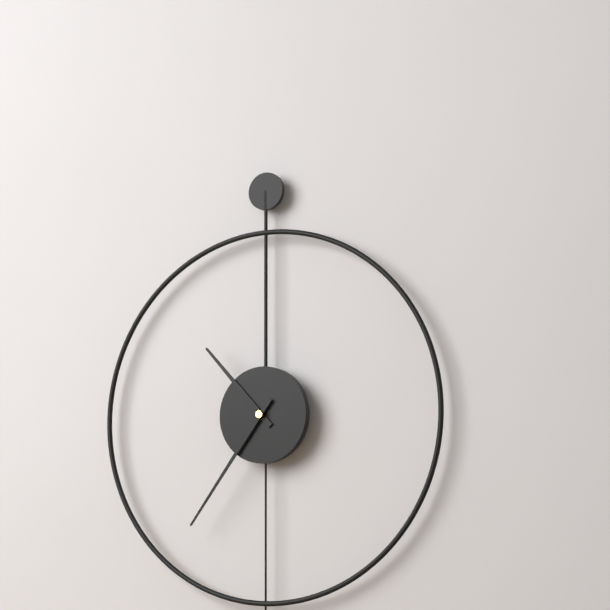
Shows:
10,36
